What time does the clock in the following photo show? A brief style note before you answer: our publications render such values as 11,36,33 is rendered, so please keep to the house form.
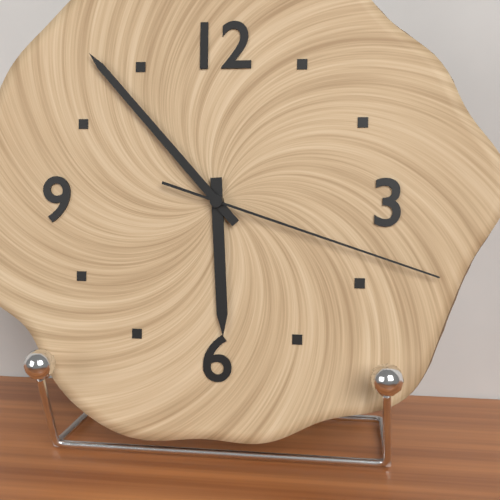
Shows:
5,53,18
